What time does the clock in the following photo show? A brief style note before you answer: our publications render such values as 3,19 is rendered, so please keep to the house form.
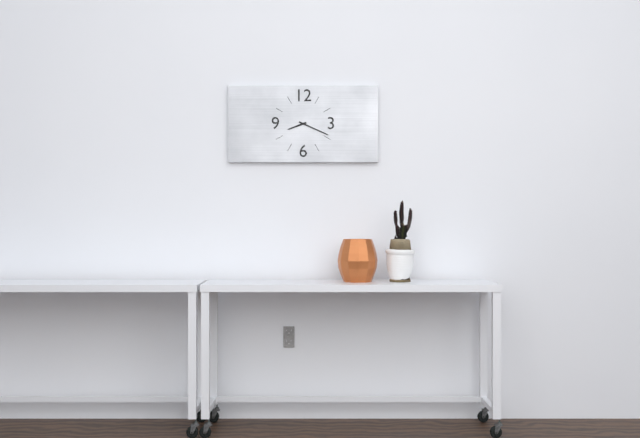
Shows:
8,19
